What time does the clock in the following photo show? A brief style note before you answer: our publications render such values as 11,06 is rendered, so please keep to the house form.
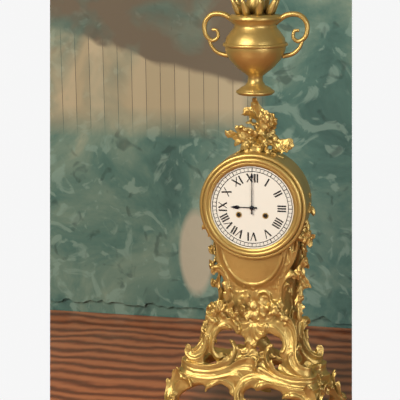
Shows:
9,00
